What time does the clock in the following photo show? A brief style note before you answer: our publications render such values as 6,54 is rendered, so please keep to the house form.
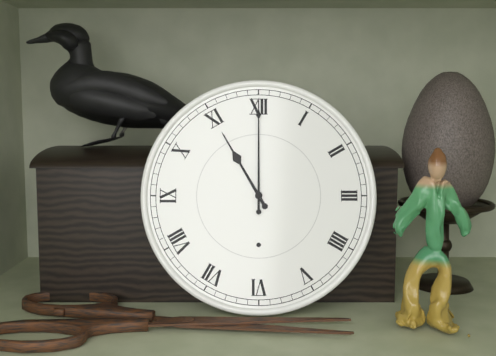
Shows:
11,00
